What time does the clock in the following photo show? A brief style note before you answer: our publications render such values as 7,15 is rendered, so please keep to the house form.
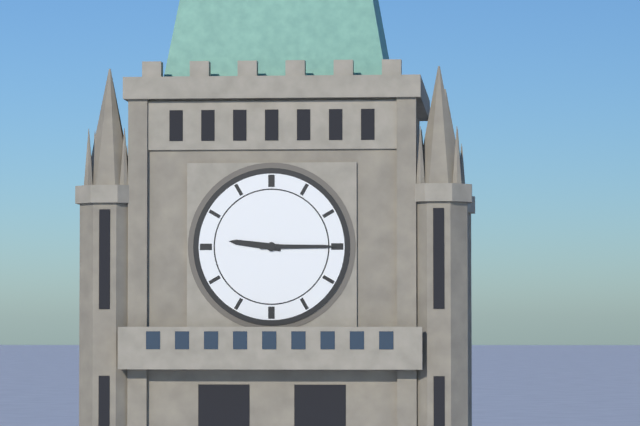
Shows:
9,15
